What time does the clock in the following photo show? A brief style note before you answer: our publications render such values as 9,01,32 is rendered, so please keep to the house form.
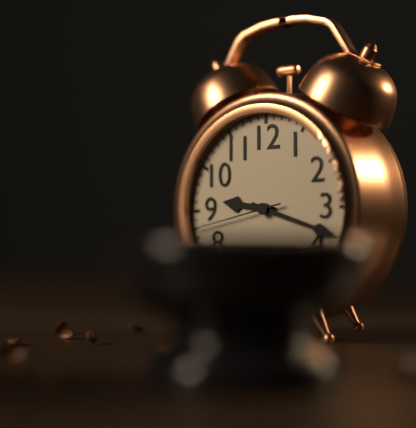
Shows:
9,18,43
